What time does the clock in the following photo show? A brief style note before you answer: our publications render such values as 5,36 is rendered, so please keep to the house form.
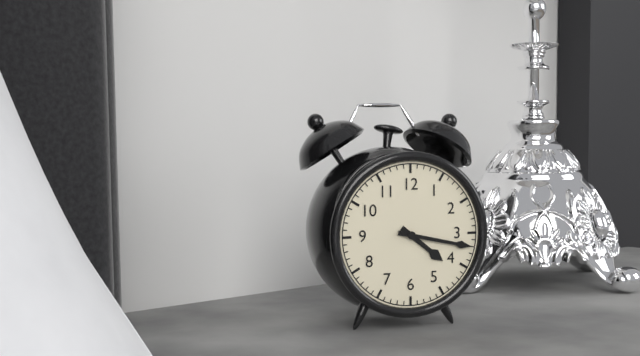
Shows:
4,17
